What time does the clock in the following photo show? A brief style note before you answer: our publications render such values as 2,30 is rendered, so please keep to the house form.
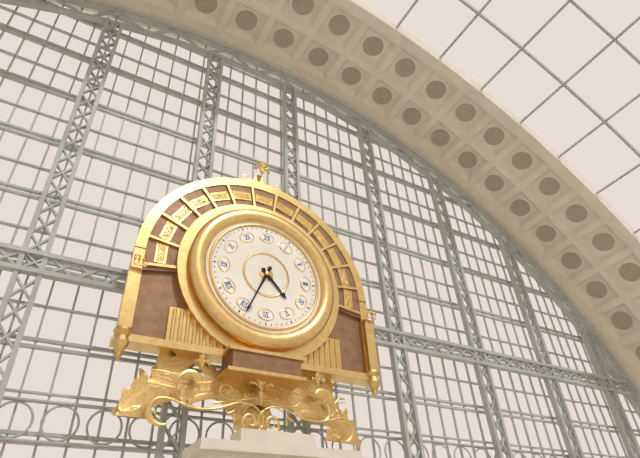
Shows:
4,34
